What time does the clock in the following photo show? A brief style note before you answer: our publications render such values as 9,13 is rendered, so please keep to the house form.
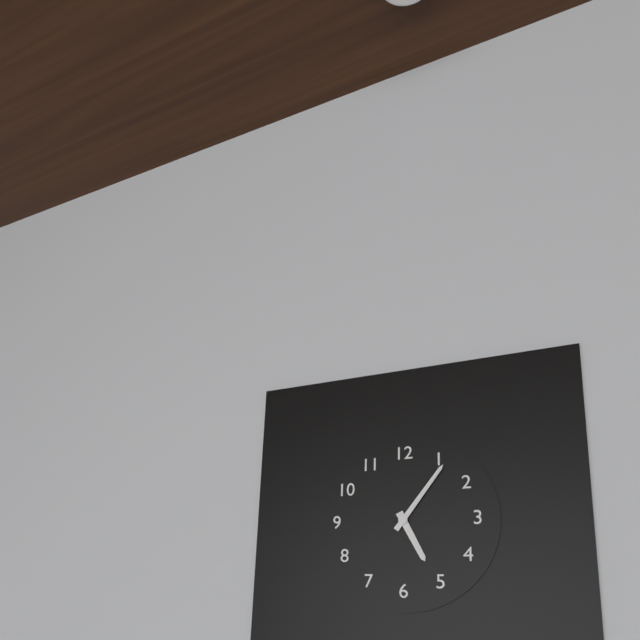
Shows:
5,06
